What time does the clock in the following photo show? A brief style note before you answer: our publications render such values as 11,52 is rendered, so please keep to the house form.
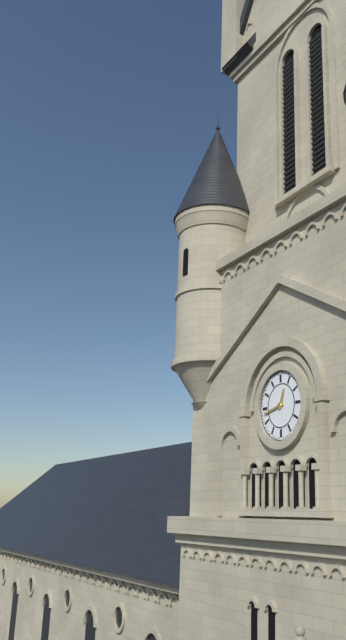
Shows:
12,43
